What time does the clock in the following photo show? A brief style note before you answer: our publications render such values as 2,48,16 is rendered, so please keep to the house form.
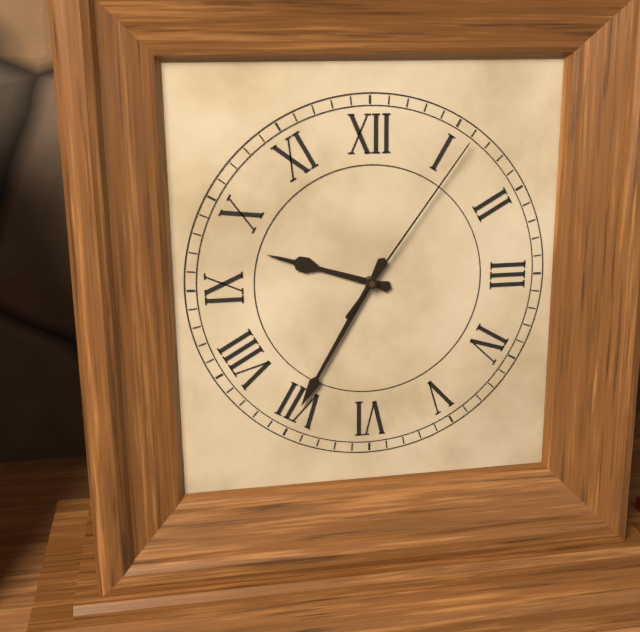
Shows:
9,35,06
